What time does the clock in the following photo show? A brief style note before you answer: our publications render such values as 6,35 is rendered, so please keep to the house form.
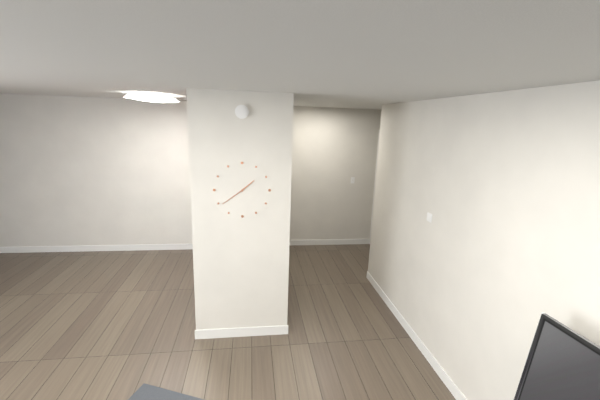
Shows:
1,39
